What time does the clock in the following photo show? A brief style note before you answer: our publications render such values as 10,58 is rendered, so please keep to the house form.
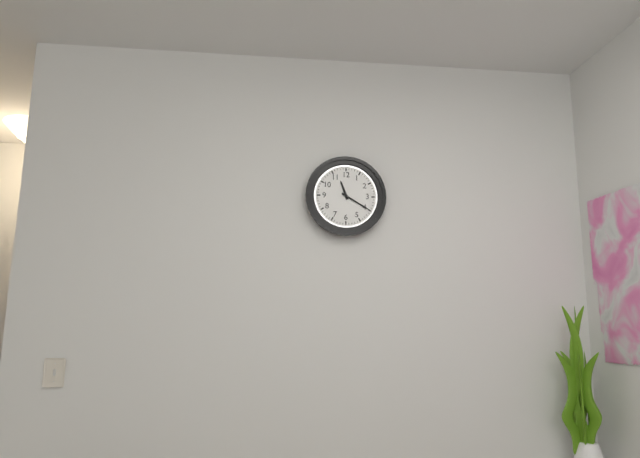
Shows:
11,20
